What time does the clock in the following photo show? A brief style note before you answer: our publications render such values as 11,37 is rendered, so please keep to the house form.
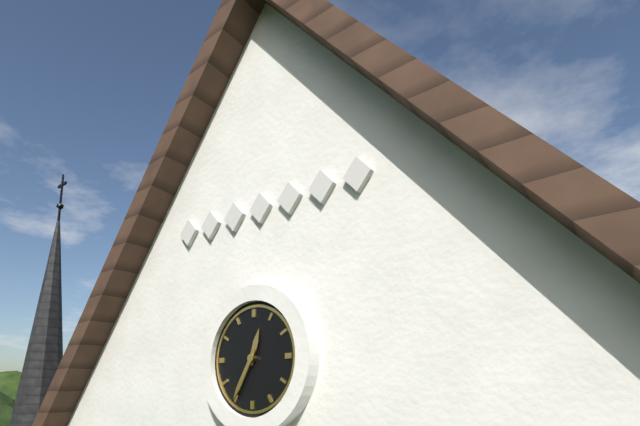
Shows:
12,35
